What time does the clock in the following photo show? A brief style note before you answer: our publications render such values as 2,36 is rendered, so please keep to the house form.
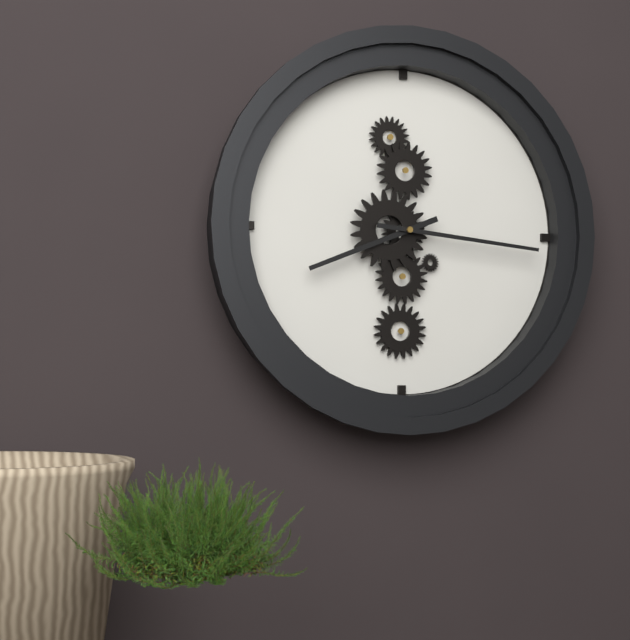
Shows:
8,16
